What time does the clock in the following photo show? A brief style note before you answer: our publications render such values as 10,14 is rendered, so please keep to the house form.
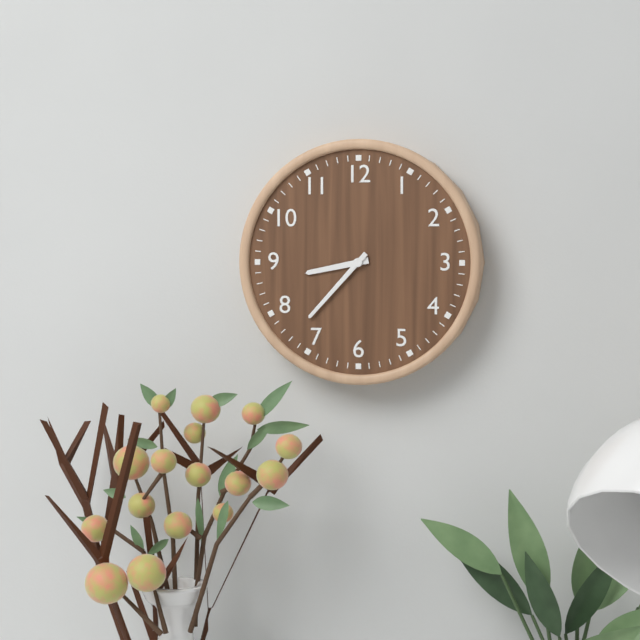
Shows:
8,37
